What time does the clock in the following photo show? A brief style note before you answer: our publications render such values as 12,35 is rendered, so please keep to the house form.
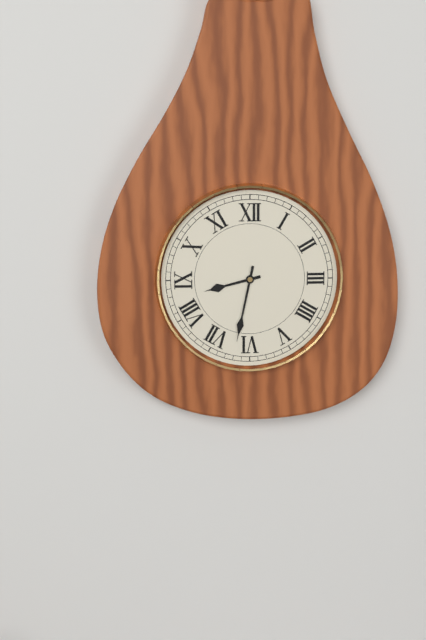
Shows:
8,32
